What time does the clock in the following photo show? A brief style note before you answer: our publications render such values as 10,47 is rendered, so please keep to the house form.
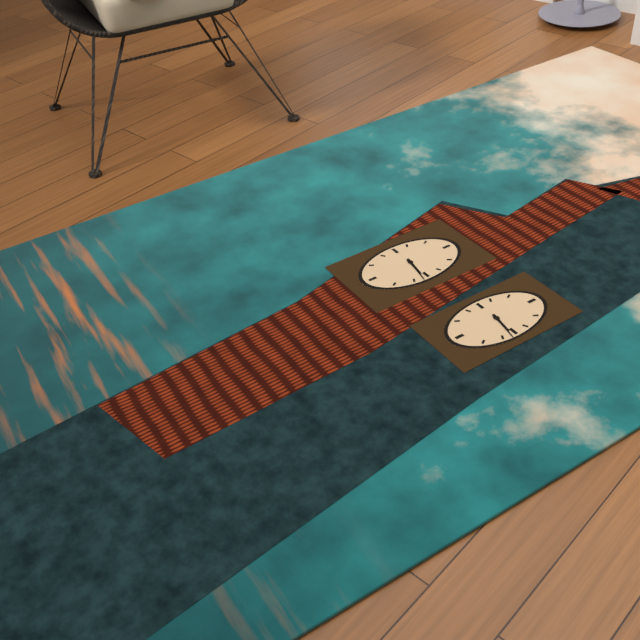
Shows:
3,17
